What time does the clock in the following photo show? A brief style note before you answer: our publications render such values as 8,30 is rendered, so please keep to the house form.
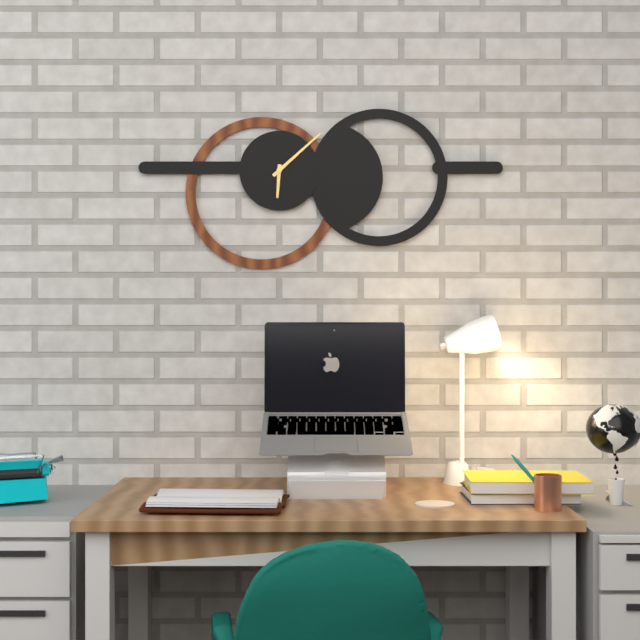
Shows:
6,08
